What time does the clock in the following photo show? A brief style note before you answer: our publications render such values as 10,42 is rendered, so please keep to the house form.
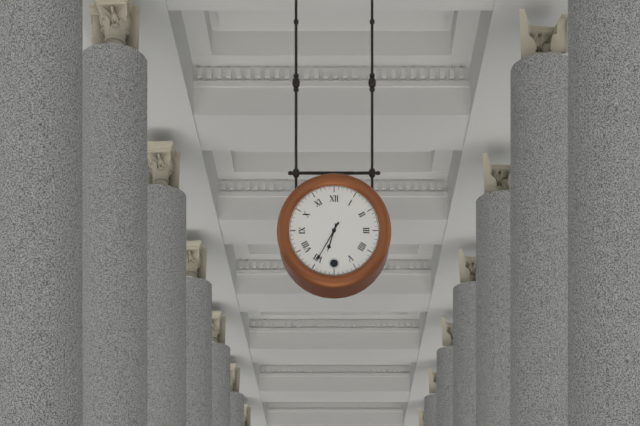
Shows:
6,35
